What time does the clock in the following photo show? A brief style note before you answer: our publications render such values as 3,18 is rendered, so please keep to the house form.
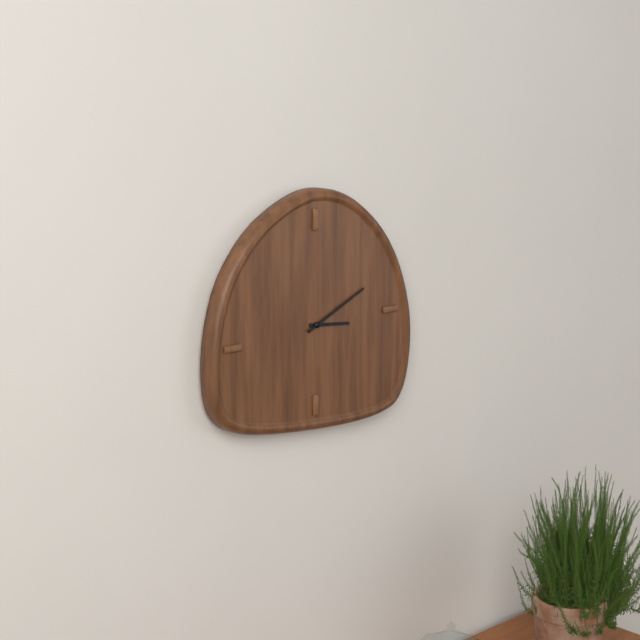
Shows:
3,11
